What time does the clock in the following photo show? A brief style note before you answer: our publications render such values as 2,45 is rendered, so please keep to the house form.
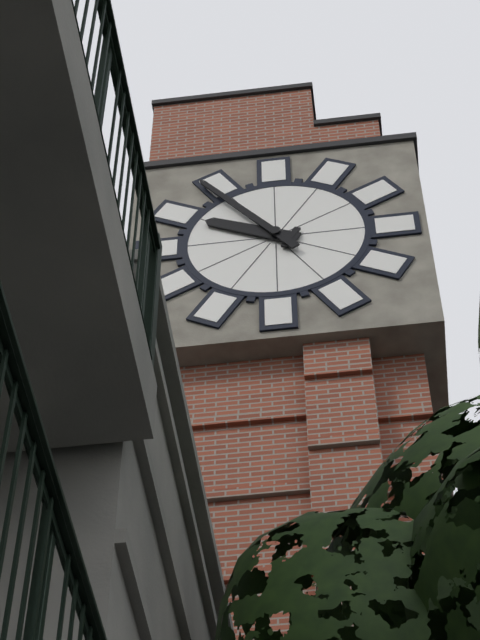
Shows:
9,54
